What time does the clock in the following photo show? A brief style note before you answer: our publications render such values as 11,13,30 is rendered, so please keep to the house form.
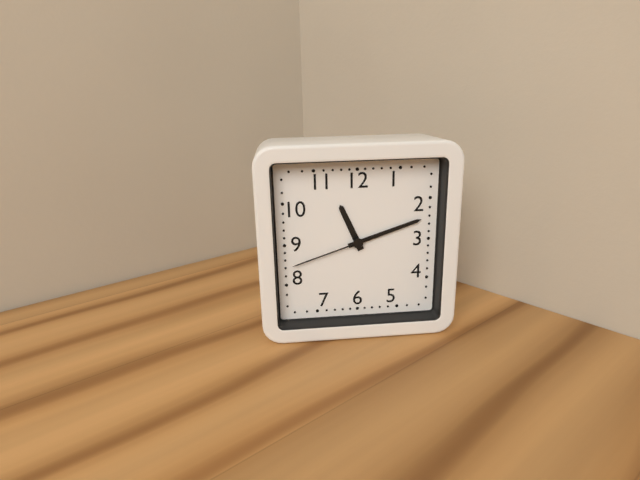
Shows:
11,12,42
